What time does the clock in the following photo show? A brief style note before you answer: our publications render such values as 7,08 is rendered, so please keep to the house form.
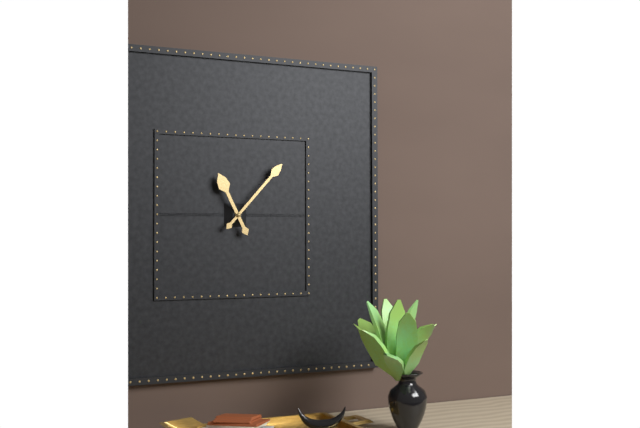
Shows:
11,07
